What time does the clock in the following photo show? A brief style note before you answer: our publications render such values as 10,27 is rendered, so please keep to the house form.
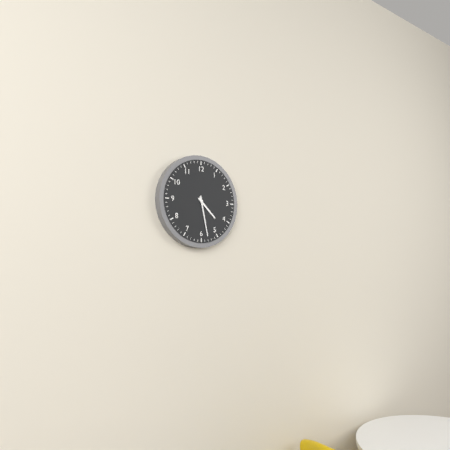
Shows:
4,28
